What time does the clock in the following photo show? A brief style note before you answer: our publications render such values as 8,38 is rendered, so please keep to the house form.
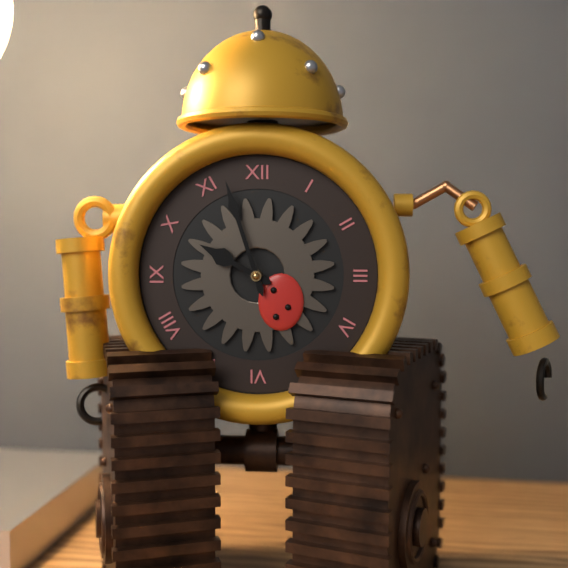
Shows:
9,57
